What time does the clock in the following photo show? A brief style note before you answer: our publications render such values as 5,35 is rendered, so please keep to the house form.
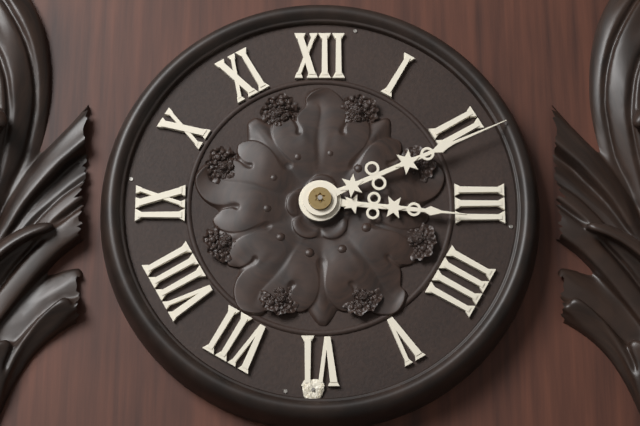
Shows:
3,11
